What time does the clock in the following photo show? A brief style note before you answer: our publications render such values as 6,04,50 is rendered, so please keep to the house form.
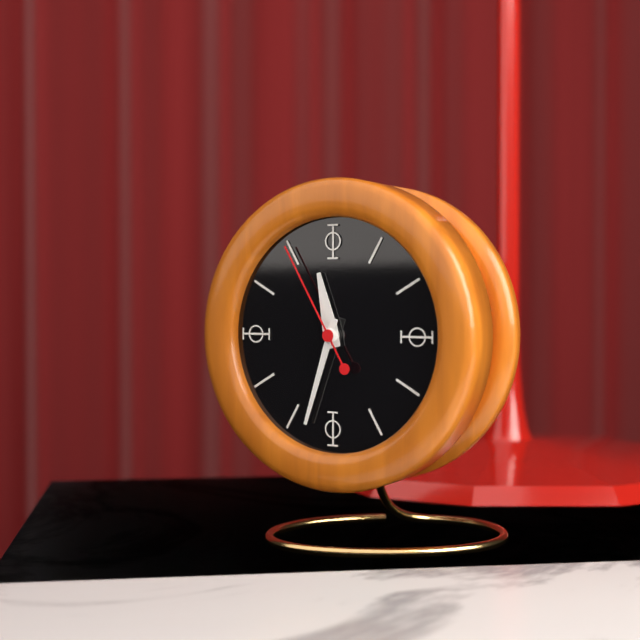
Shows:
11,33,55
